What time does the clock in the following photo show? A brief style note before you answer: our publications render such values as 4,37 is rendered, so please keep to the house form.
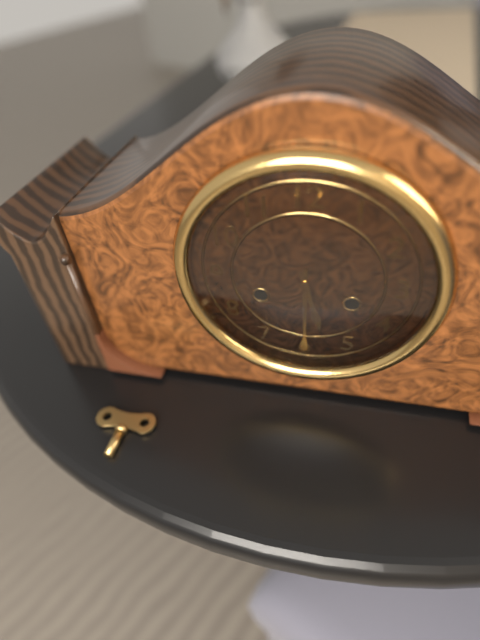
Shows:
5,30
